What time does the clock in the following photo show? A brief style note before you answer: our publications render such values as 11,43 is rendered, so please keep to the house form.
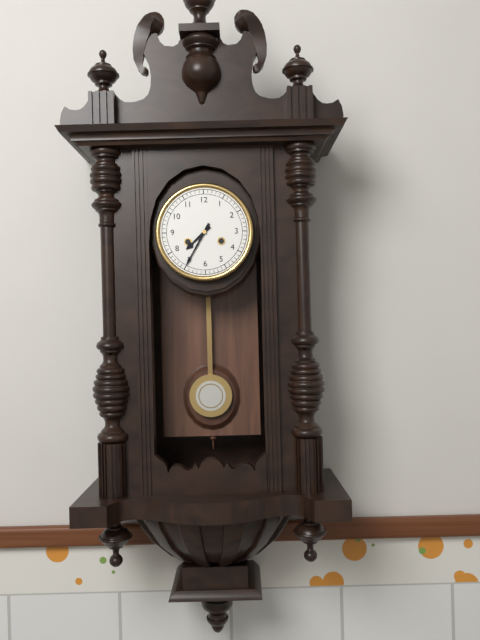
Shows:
7,35
